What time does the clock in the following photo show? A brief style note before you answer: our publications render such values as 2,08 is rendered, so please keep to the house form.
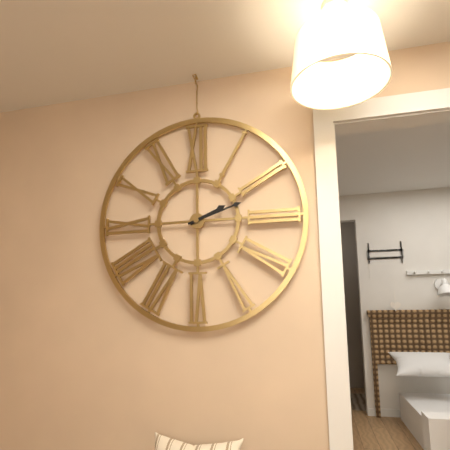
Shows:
2,12
